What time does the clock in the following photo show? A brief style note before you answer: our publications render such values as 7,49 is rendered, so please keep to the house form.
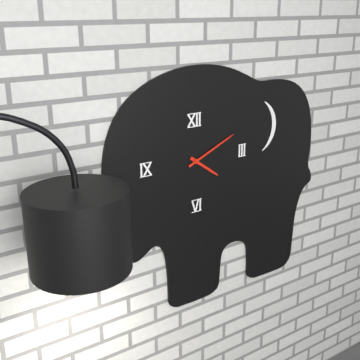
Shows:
4,11
